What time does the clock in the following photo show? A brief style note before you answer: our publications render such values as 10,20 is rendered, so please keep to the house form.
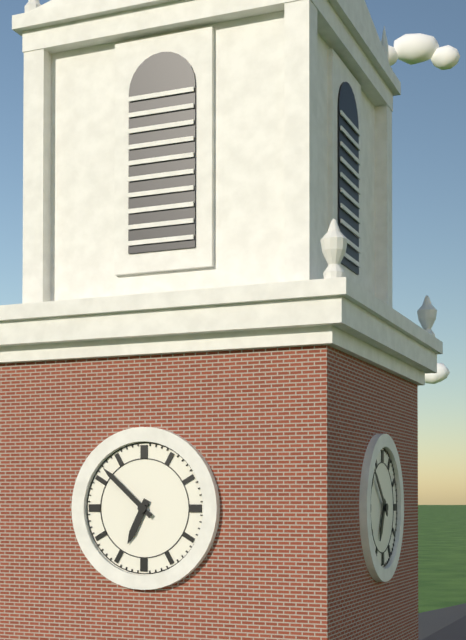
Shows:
6,52
